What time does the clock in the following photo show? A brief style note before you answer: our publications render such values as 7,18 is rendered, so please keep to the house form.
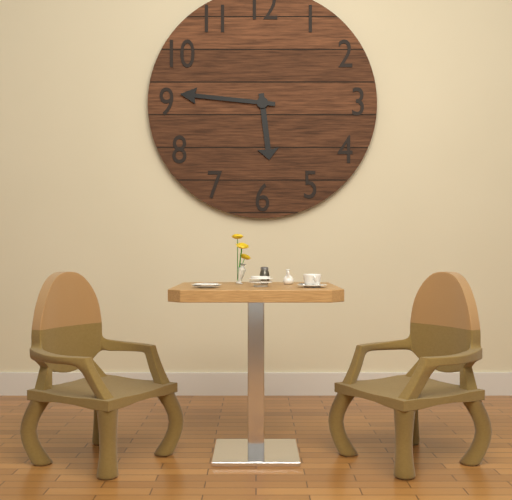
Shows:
5,46
